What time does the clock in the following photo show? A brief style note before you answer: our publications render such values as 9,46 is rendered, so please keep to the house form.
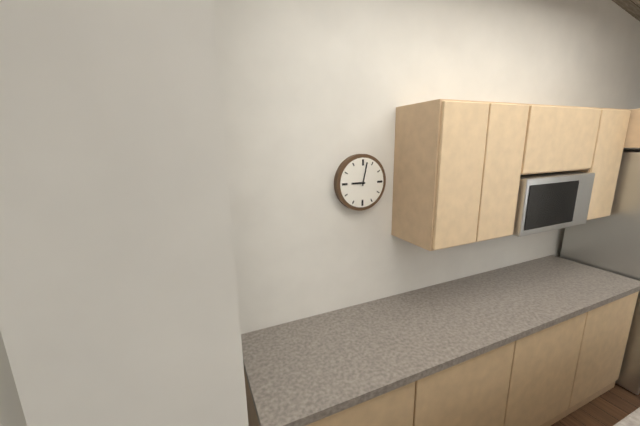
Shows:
9,02
